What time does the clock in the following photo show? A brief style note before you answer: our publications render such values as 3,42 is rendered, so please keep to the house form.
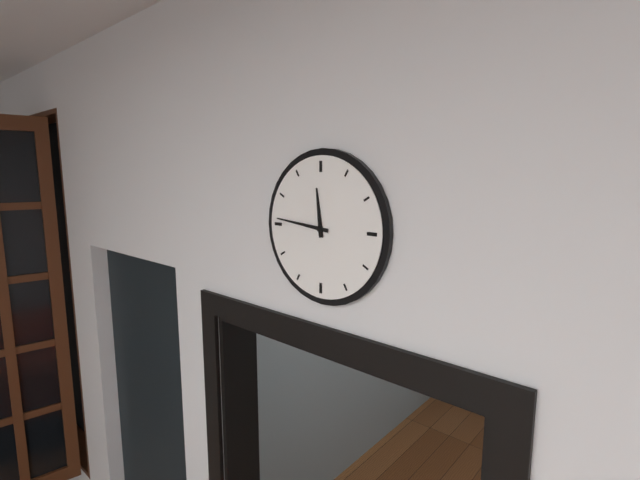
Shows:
11,46
